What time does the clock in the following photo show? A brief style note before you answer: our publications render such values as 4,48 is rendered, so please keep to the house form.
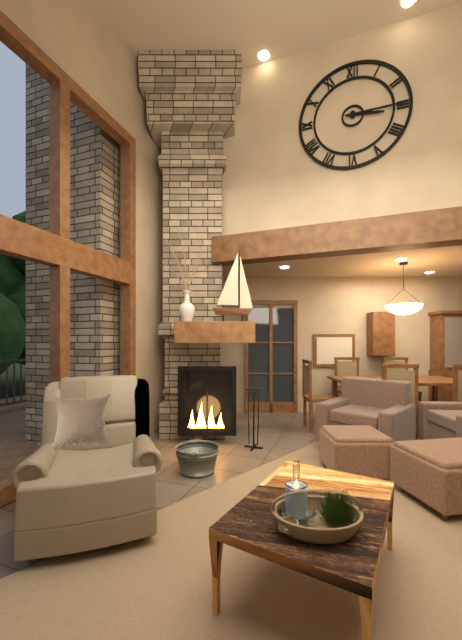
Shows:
3,15
